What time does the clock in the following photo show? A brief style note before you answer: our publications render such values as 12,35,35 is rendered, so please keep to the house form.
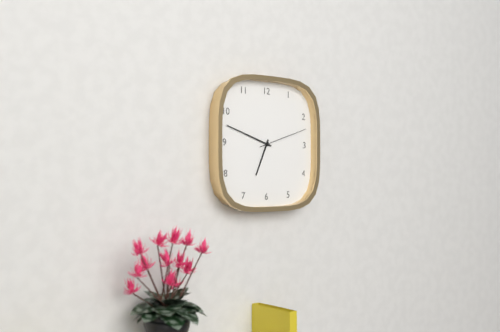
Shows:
6,48,12
